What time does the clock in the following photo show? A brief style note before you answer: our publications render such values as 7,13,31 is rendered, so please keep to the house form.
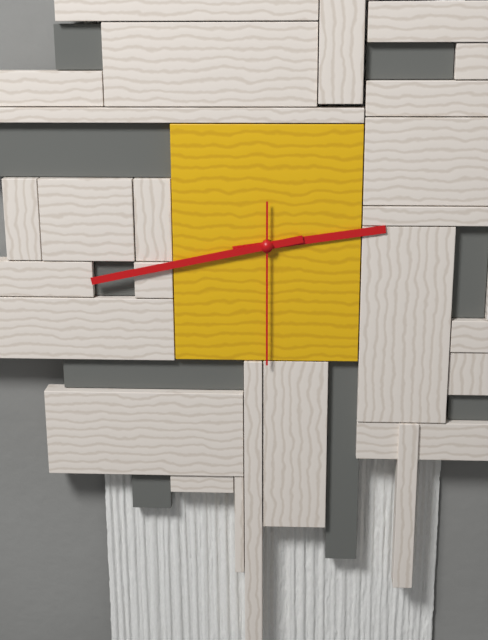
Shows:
2,43,30
